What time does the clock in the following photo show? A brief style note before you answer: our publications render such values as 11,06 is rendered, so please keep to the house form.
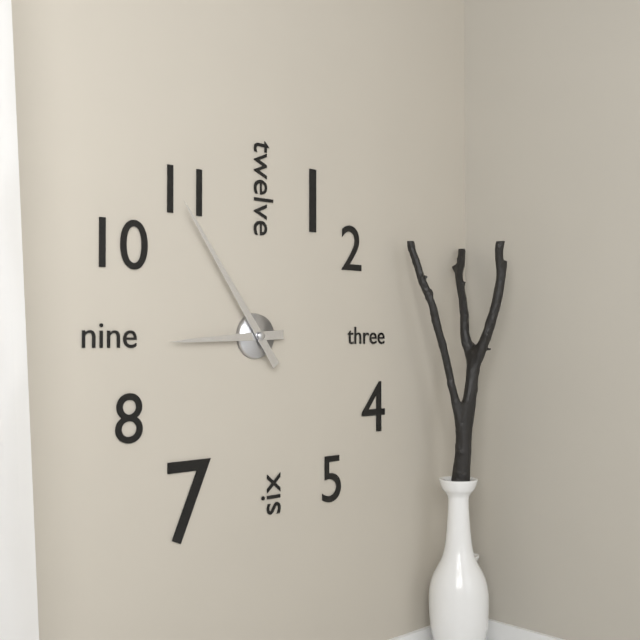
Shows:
8,54
